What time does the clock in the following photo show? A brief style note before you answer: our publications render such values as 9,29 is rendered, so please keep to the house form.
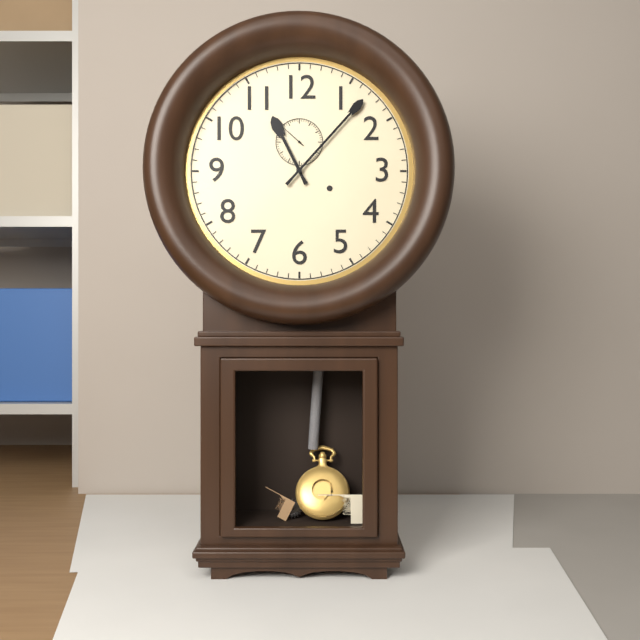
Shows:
11,07
